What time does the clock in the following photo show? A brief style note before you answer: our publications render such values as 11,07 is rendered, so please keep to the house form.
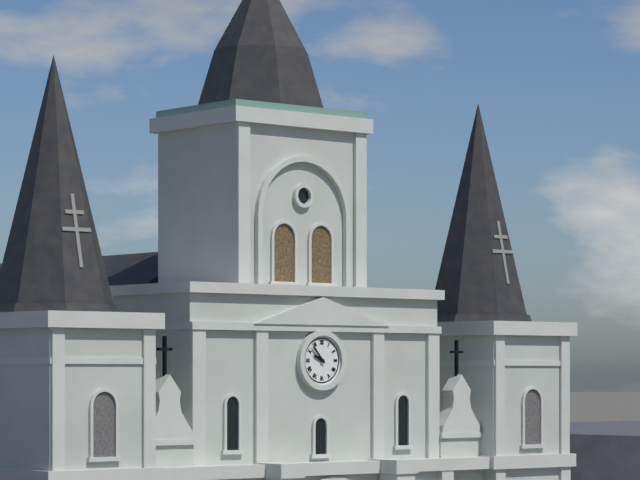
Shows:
9,53
